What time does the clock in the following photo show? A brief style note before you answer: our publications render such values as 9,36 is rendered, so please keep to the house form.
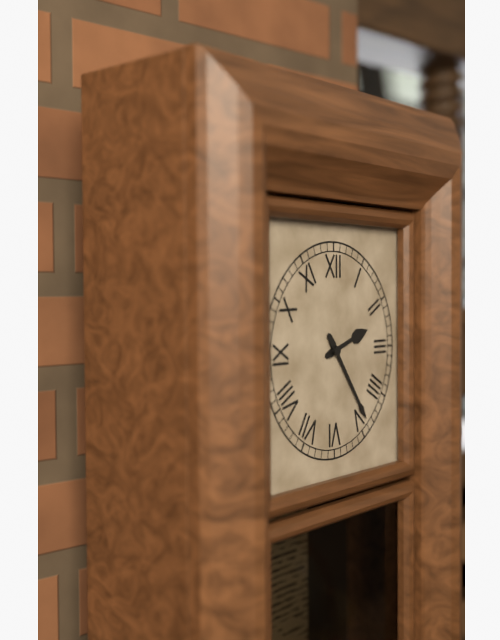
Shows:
2,24
